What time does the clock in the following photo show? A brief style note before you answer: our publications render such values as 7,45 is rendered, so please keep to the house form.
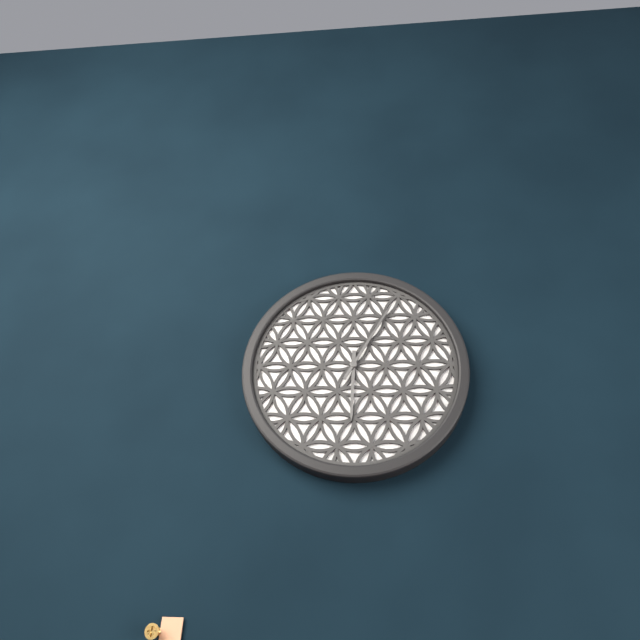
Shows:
6,05
